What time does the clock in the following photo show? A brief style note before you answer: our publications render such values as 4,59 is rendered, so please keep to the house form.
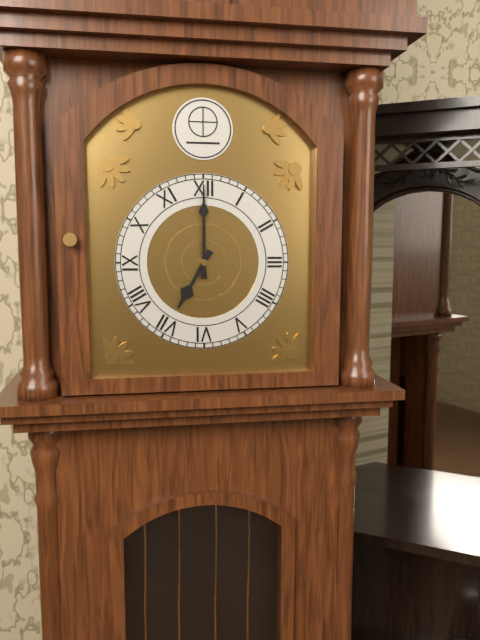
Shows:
7,00
